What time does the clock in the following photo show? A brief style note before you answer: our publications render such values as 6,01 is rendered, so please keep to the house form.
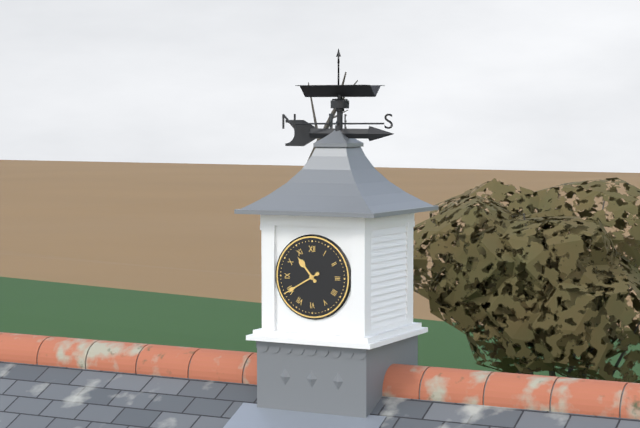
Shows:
10,40
